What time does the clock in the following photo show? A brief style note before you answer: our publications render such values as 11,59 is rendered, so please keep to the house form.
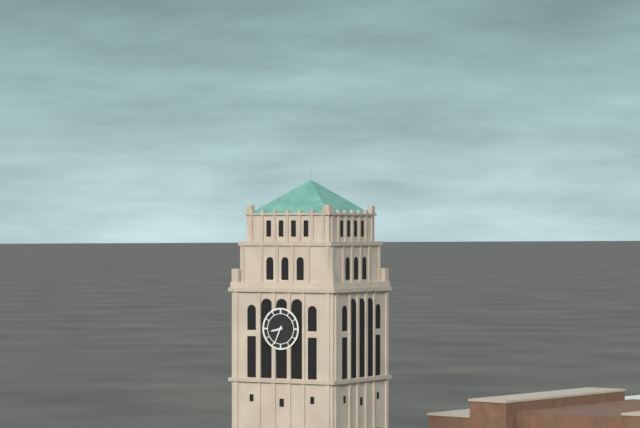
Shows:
8,34
